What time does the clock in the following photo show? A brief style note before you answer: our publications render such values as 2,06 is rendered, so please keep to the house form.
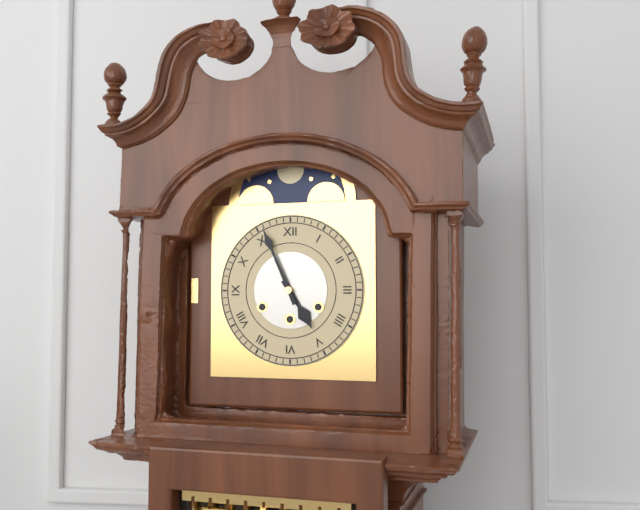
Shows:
4,56
